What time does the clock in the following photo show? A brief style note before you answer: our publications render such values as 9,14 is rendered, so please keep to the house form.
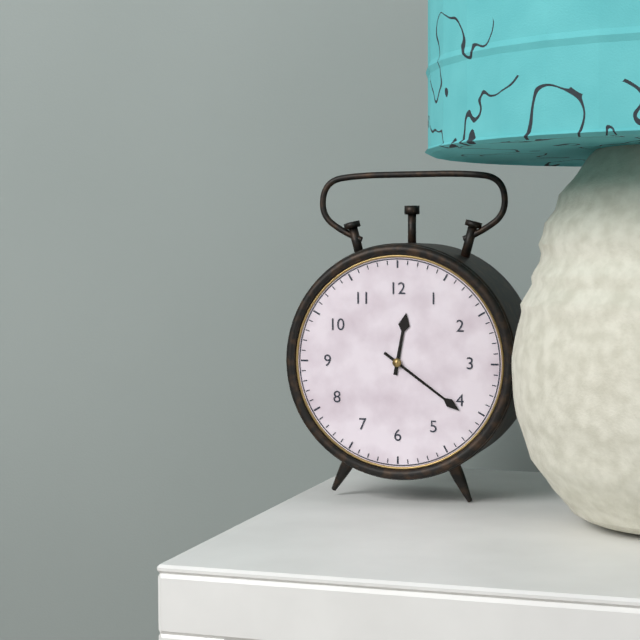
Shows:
12,21
